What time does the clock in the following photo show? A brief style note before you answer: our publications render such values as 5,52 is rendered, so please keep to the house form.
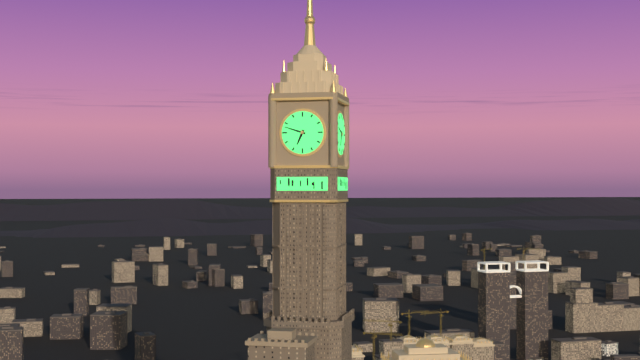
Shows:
6,48
